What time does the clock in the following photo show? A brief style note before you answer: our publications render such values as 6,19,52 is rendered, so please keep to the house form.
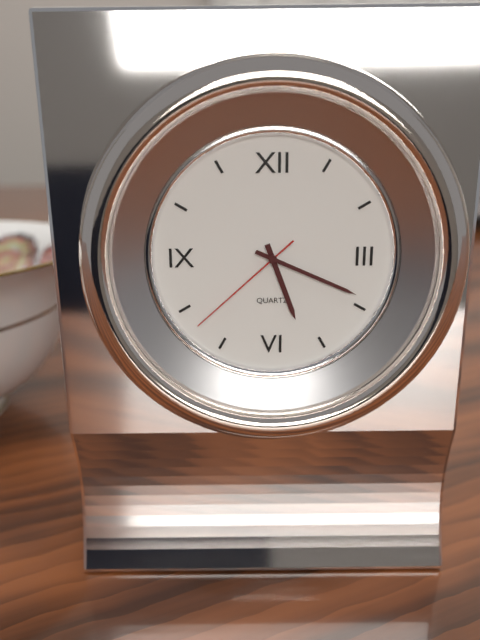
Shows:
5,19,38
